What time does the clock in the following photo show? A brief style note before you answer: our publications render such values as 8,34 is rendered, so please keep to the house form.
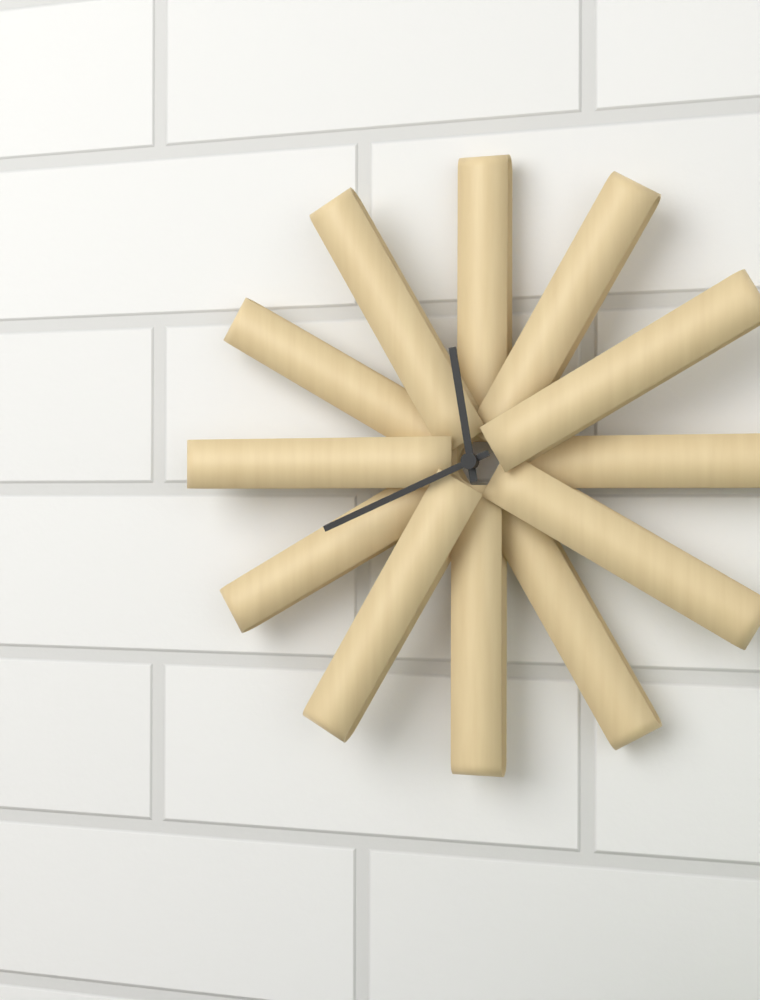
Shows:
11,41
